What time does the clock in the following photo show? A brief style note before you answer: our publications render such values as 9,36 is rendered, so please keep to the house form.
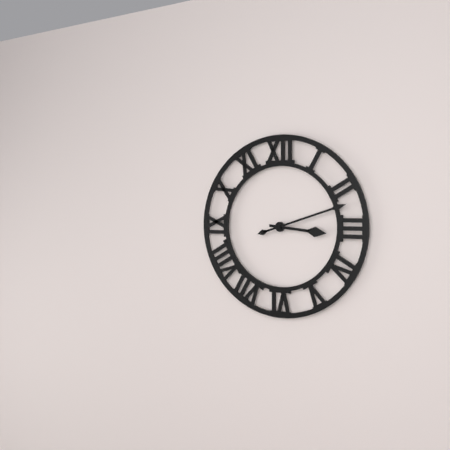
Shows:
3,12
